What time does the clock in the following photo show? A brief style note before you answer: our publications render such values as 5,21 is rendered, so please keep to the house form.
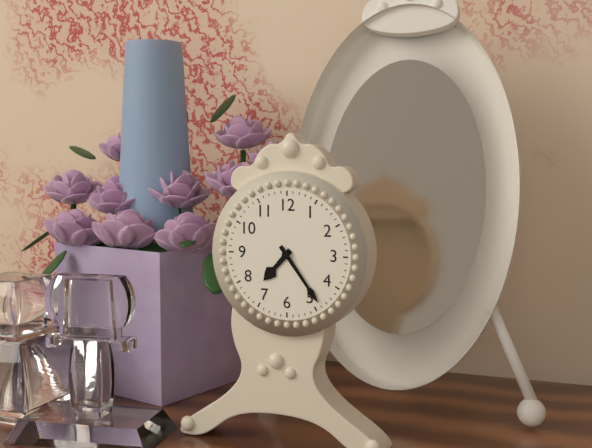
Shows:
7,24
